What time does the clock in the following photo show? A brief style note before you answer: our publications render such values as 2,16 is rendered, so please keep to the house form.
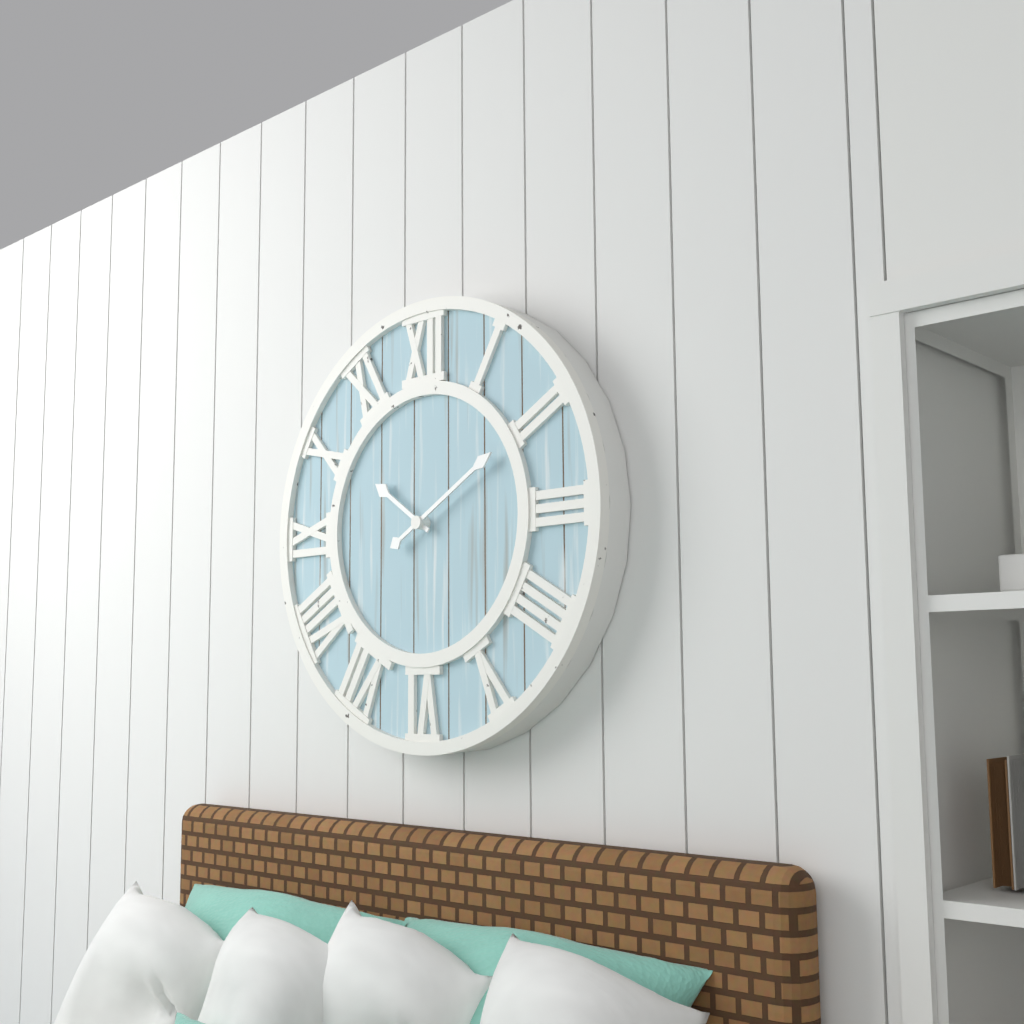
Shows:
10,10
